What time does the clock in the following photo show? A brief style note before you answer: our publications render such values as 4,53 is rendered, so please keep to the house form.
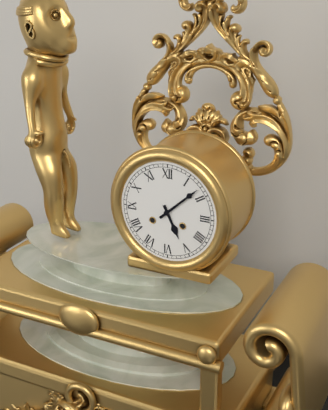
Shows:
5,08
